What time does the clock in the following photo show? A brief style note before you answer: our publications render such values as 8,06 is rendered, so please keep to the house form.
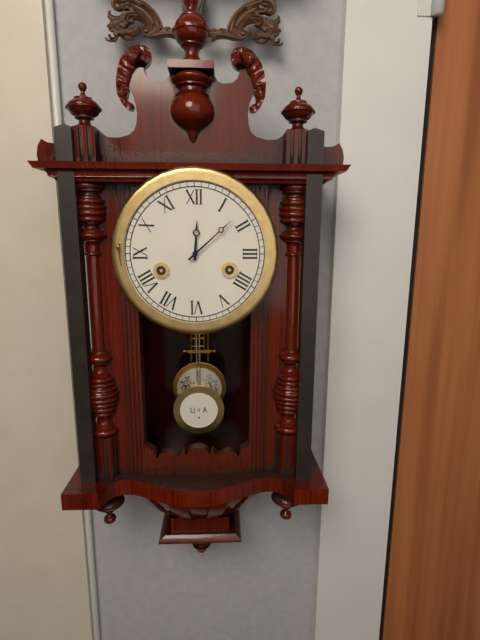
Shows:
12,08
